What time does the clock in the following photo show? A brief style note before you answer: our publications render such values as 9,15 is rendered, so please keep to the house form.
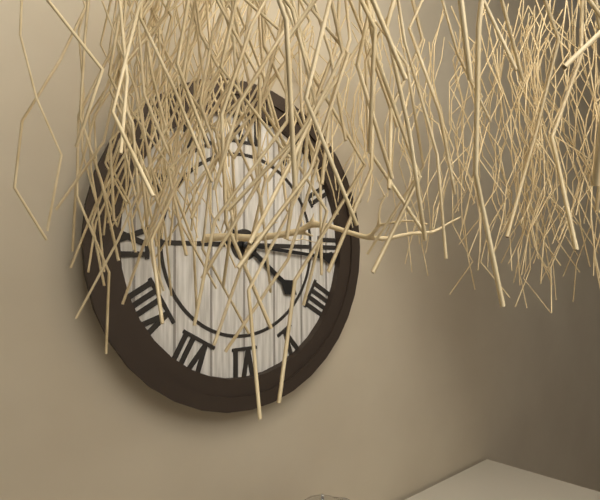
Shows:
4,16
